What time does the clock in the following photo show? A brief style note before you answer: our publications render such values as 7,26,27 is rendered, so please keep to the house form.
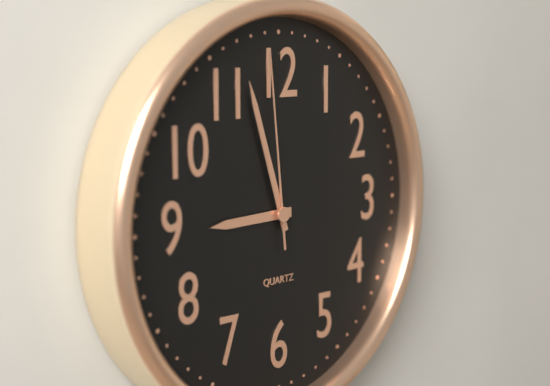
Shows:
8,57,59
